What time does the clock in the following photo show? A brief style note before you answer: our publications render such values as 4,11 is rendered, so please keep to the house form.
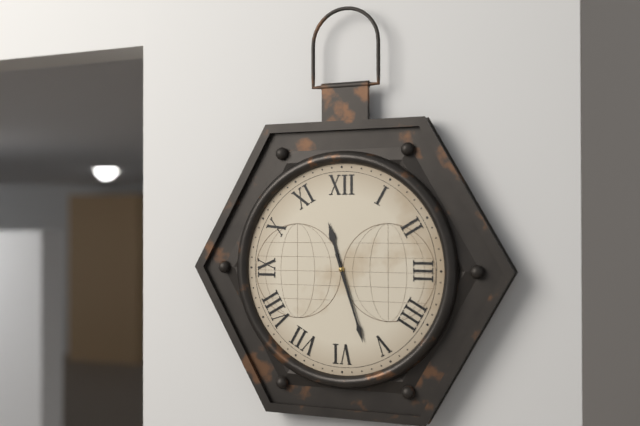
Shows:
11,27
